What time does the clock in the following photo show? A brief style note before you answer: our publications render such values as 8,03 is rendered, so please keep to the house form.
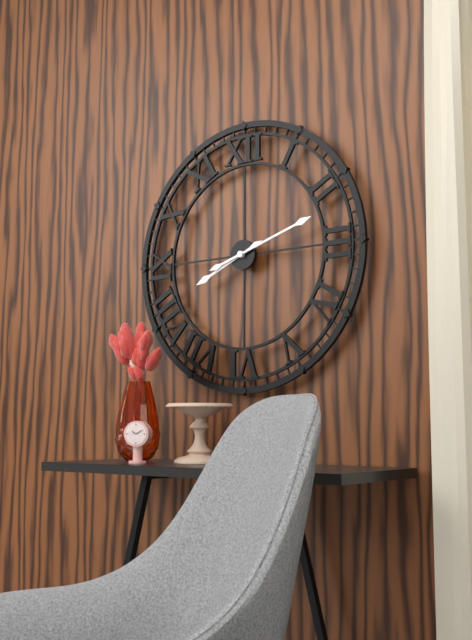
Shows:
8,12
